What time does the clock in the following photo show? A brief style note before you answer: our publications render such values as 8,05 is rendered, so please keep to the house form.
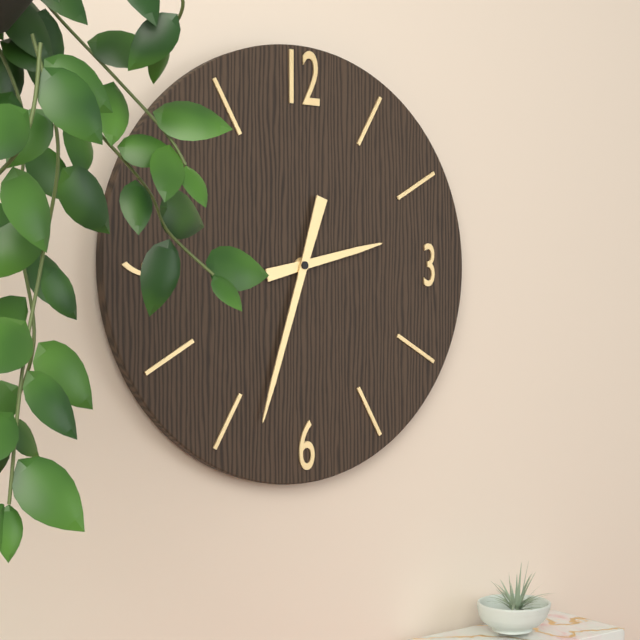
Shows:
2,33
